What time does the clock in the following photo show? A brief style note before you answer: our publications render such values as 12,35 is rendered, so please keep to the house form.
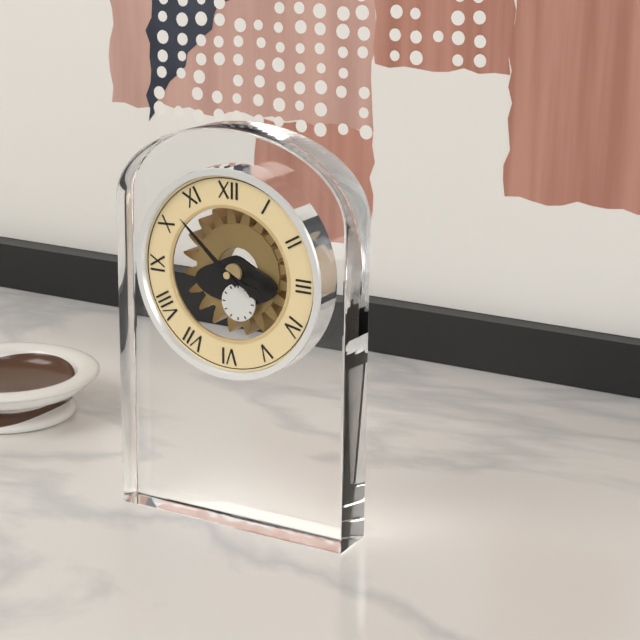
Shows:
3,52
